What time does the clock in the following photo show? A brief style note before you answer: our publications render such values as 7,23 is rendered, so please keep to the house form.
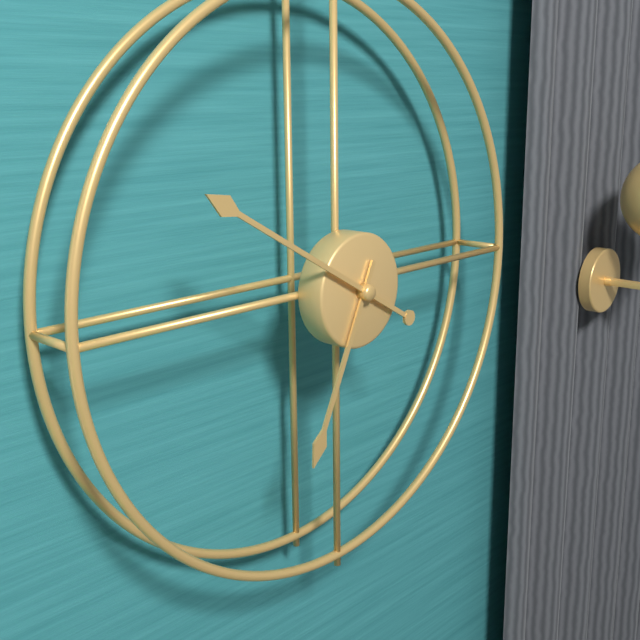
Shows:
6,50
